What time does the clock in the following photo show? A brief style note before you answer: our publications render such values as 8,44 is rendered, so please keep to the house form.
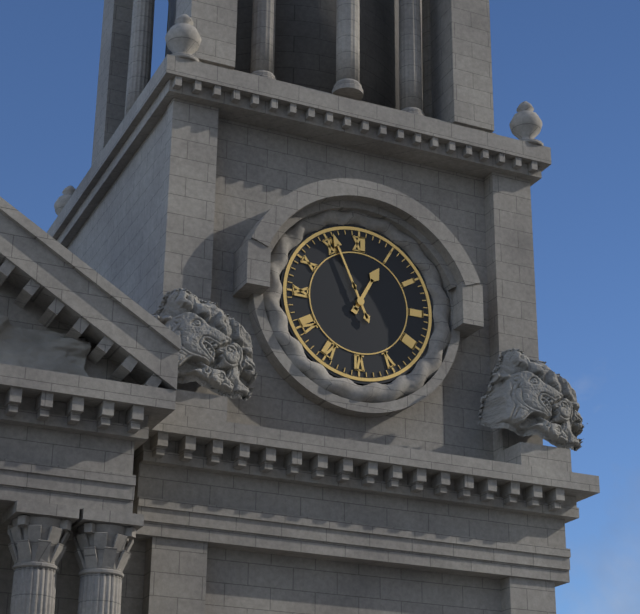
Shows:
12,56
